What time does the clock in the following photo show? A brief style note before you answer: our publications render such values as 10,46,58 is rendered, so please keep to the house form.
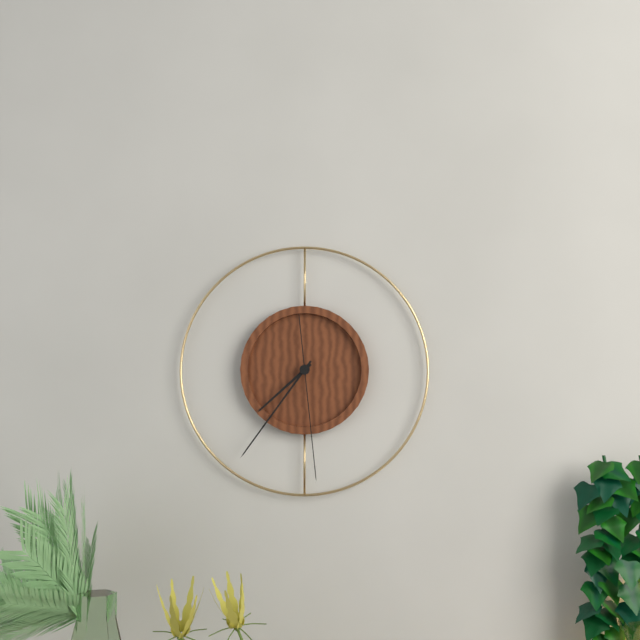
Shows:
7,36,29
